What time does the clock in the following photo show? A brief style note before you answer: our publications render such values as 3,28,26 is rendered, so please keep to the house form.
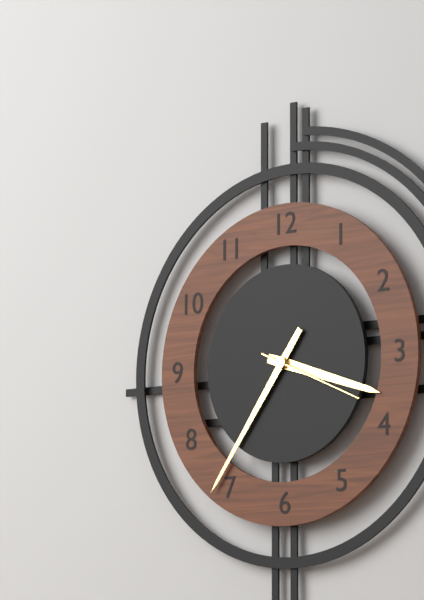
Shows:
3,36,19
